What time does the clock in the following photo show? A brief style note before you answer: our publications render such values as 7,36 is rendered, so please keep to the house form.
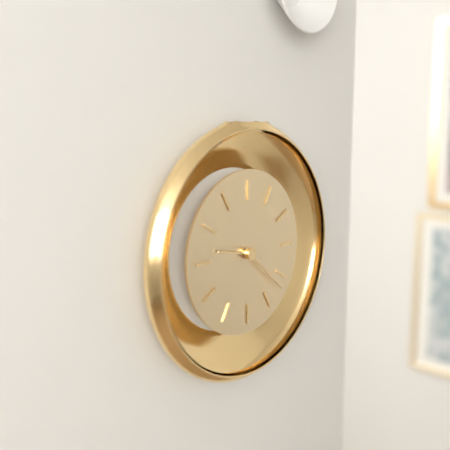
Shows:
9,22
